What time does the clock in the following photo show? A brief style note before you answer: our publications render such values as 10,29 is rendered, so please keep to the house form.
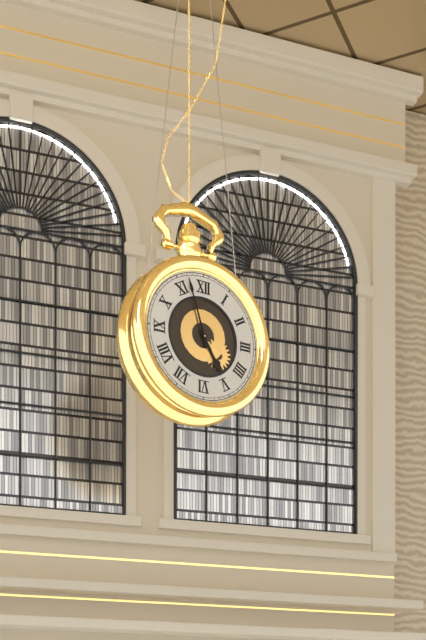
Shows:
4,57
